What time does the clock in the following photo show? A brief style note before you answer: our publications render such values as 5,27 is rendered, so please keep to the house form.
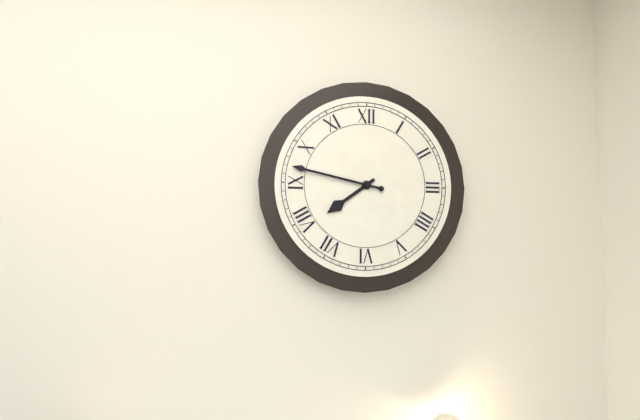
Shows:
7,47
